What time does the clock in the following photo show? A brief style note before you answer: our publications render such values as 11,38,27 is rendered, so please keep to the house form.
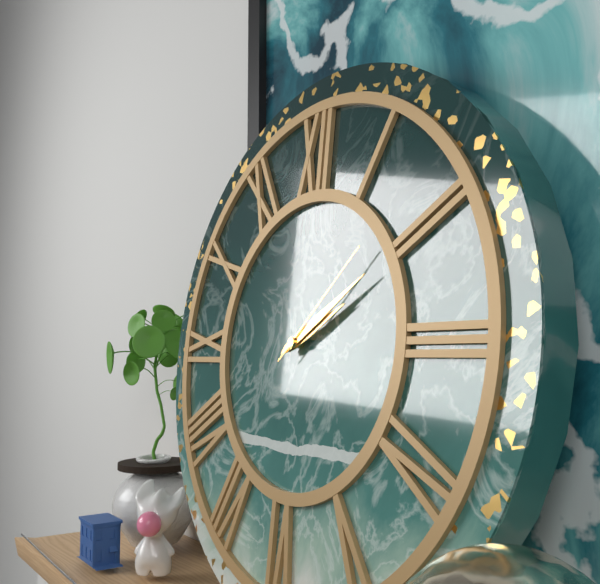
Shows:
2,10,08
